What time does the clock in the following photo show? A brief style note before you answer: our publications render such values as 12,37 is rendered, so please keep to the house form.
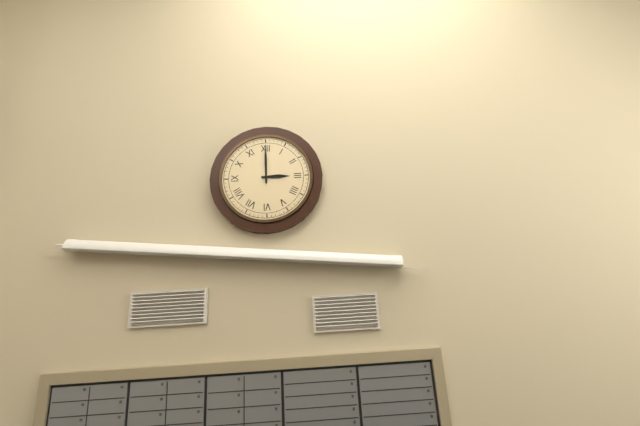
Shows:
3,00
